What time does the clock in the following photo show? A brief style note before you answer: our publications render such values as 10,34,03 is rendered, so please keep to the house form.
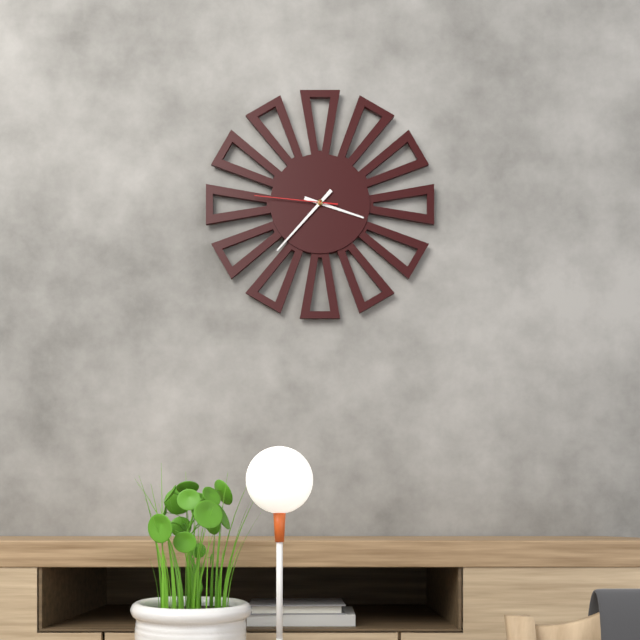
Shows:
3,37,46
